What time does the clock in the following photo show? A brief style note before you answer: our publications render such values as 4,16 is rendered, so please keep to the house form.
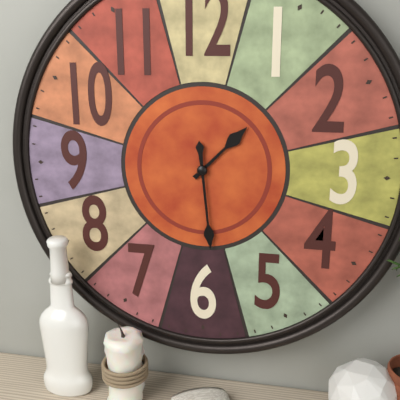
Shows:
1,29
